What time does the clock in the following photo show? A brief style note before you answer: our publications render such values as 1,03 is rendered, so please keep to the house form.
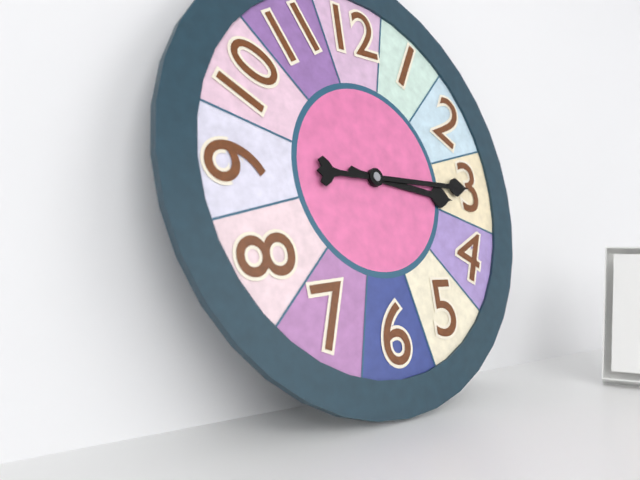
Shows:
3,15
